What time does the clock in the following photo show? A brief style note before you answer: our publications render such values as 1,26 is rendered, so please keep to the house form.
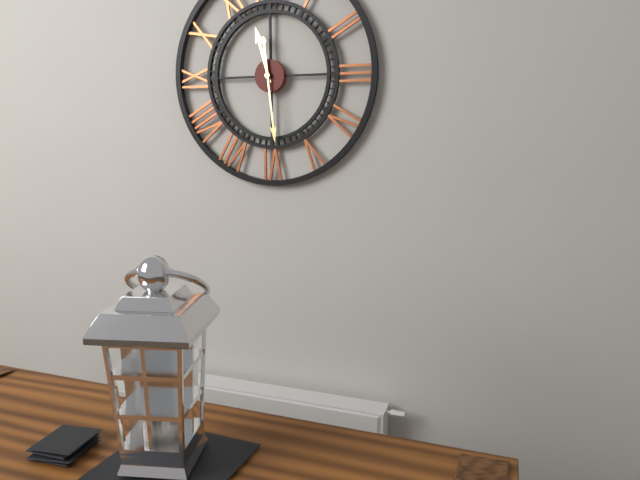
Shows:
11,29
